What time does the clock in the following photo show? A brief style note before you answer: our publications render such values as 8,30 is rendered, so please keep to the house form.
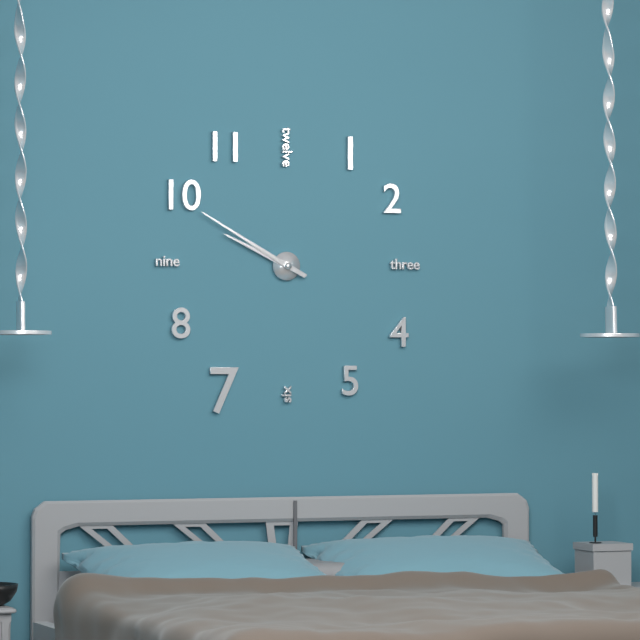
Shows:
9,50
